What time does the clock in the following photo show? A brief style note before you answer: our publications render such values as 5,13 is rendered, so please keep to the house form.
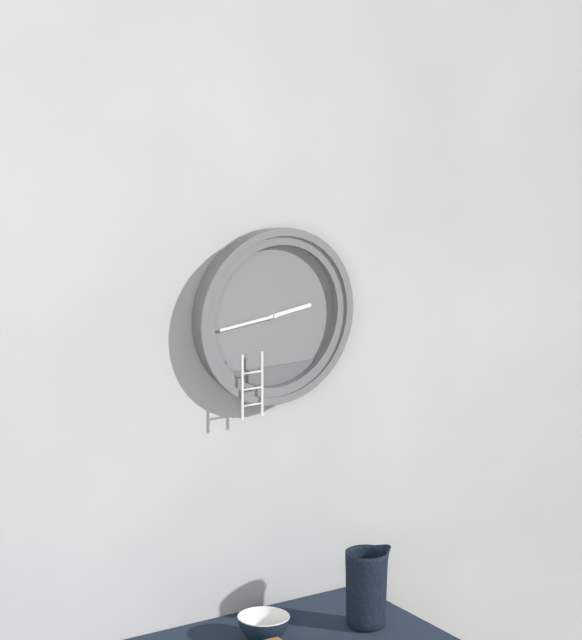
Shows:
2,44
